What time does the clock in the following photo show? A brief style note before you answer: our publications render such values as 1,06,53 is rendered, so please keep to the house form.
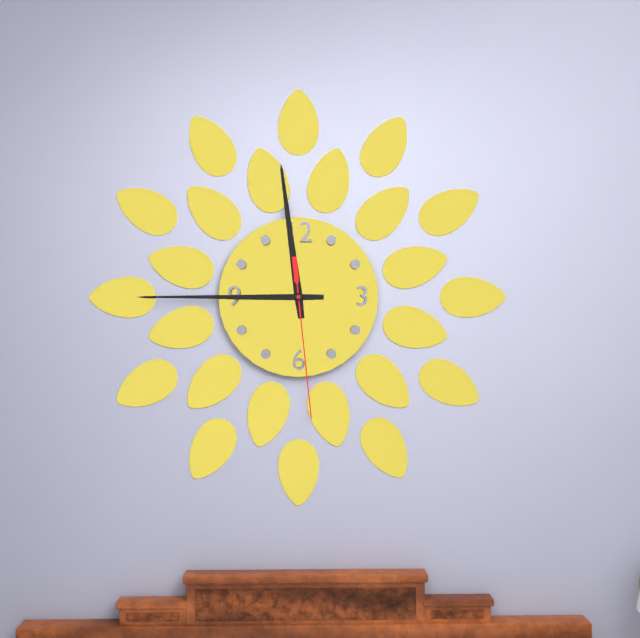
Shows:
11,45,29
